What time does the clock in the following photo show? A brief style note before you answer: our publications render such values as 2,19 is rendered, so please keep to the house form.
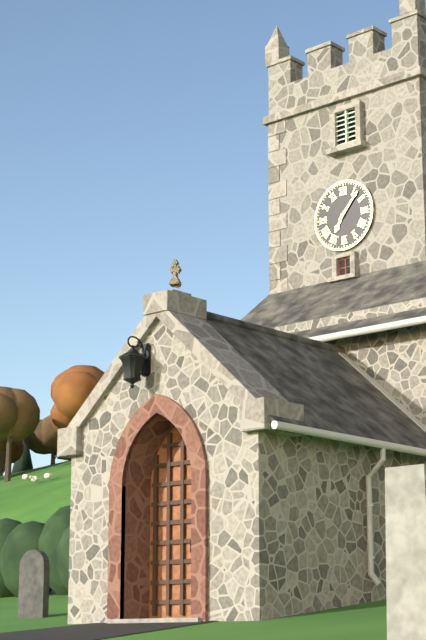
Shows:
7,07
